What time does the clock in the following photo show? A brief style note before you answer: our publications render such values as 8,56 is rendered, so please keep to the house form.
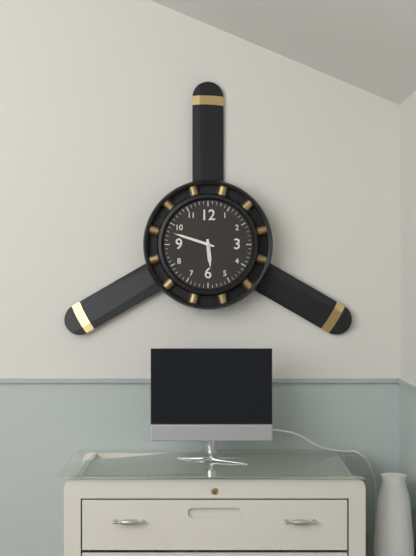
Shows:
5,48
